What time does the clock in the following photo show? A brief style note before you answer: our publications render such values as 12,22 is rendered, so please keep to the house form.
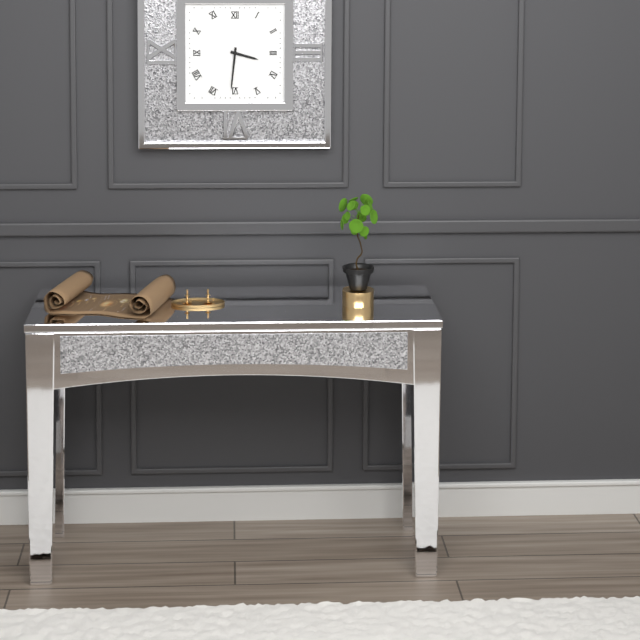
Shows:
3,31
